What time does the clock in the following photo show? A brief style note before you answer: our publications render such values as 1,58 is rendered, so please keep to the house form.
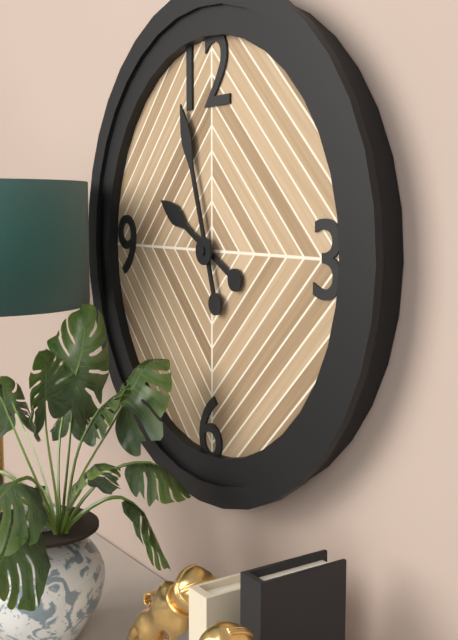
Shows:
9,57
